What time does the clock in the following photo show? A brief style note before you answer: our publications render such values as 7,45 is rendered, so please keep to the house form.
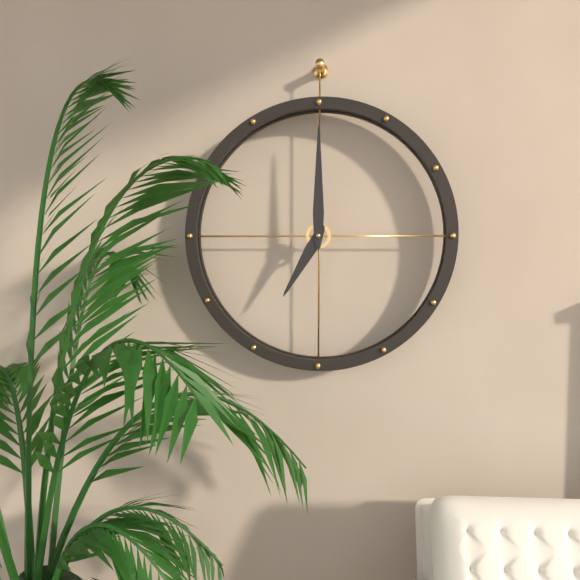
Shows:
7,00
